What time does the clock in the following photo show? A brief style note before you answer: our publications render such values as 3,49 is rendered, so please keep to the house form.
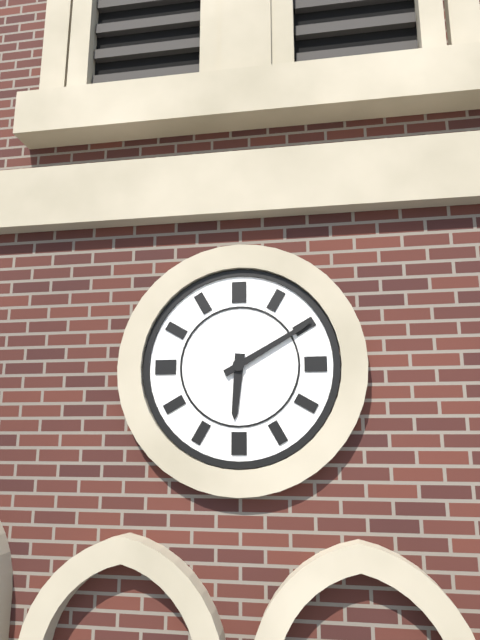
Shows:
6,10
